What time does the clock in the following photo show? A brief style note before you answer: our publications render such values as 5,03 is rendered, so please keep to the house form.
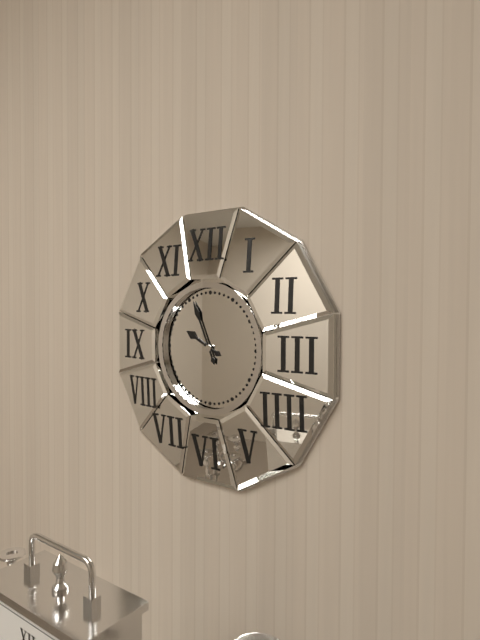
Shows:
9,56
